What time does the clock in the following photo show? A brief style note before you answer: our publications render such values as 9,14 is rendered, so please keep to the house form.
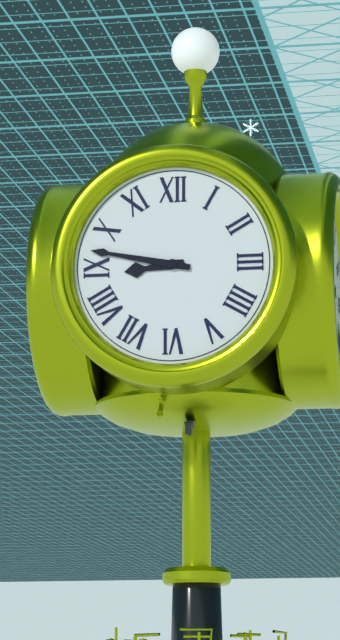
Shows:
8,47
